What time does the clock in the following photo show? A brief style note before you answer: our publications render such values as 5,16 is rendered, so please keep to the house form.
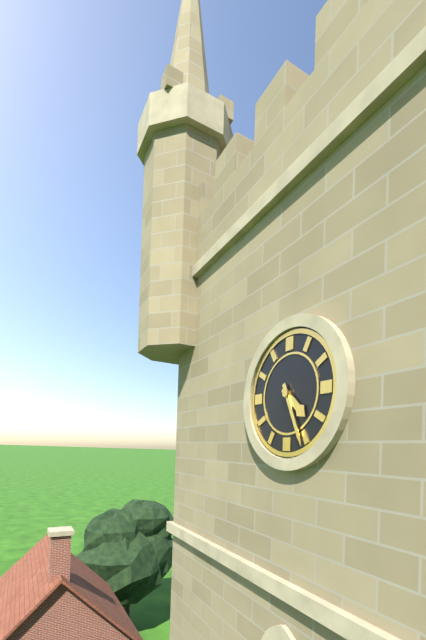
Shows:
4,26
